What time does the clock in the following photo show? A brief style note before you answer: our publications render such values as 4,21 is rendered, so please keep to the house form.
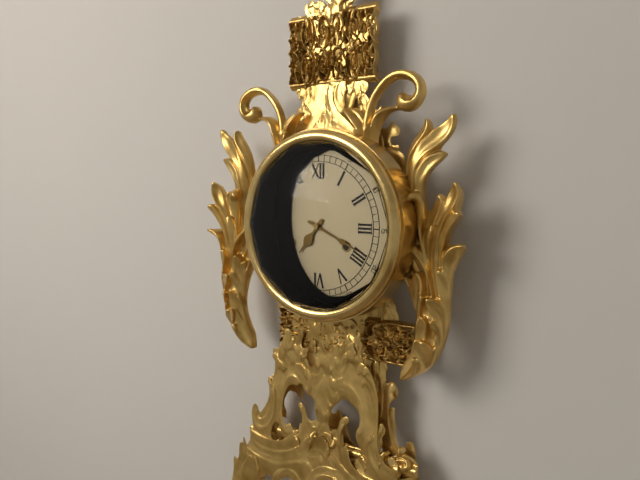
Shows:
7,19
